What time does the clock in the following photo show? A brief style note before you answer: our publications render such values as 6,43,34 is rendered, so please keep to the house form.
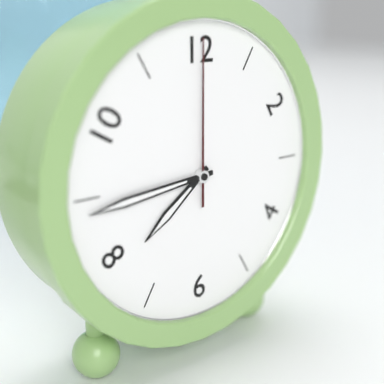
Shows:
7,44,00
